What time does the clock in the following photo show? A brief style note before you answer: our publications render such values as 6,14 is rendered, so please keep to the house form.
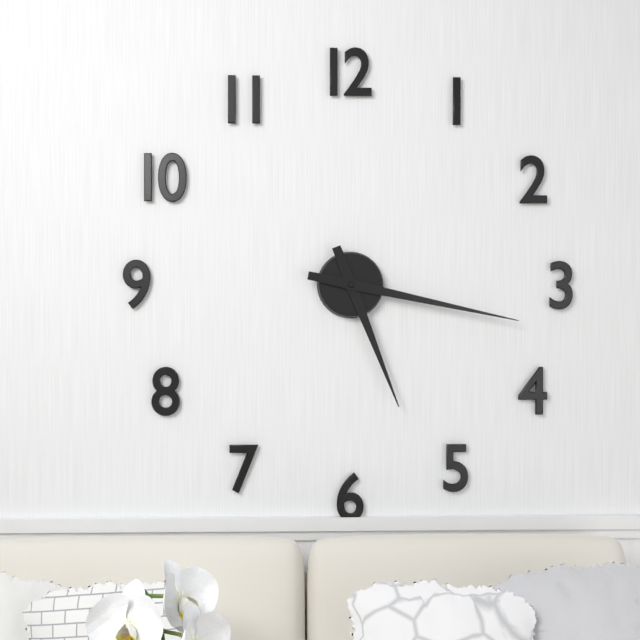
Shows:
5,17
